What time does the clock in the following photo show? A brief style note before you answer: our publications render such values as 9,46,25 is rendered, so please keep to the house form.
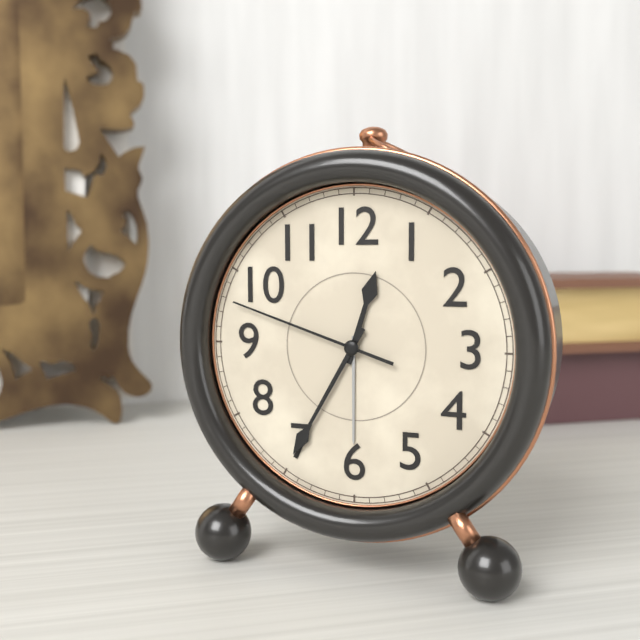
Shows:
12,35,48
